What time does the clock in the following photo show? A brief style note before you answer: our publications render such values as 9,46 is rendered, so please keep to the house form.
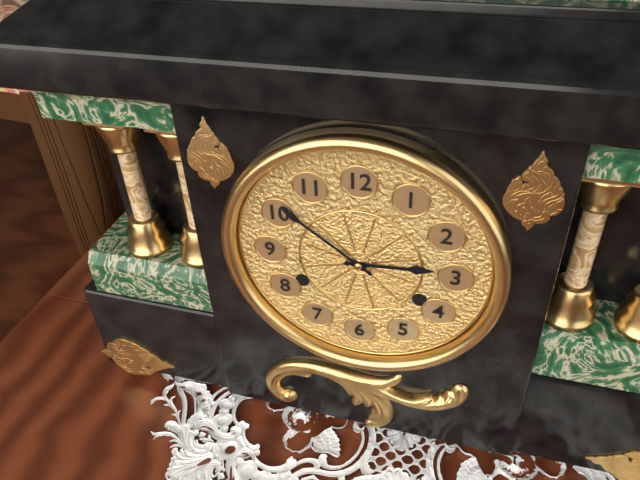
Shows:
2,51
